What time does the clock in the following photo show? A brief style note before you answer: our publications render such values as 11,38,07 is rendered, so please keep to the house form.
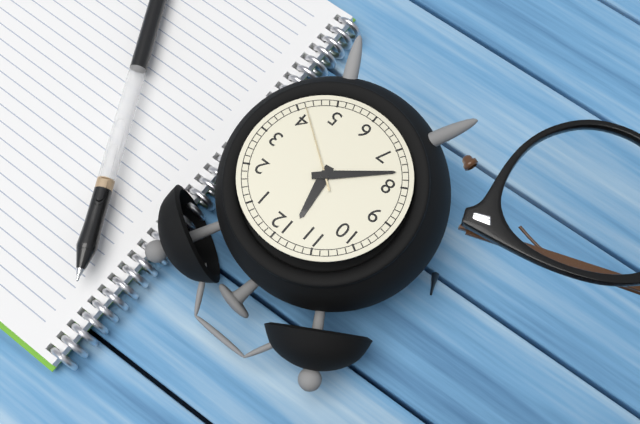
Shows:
11,38,21
